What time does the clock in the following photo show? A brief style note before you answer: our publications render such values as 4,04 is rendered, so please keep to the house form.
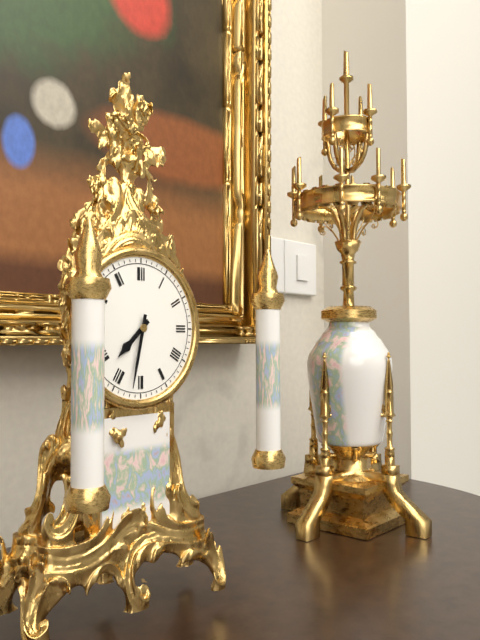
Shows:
7,32
